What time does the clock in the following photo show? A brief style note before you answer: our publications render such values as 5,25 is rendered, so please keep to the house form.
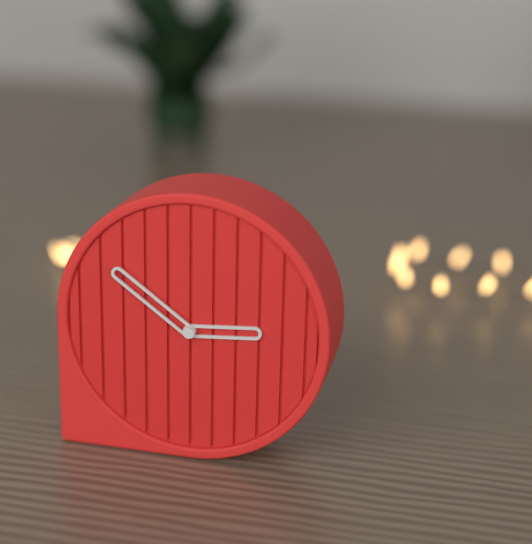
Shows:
2,51
